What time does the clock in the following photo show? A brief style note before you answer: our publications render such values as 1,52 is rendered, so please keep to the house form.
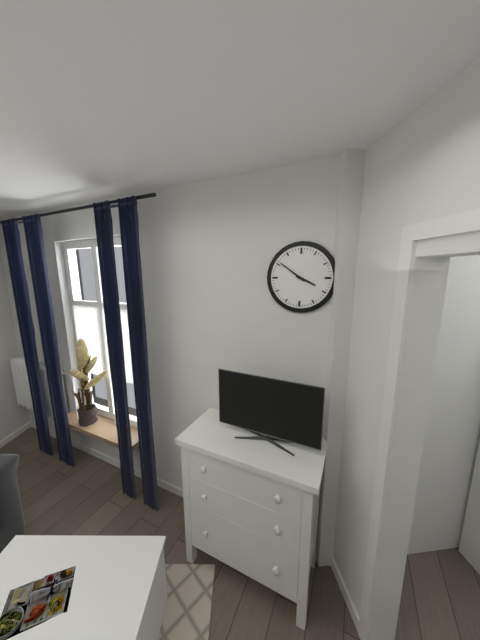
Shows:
3,51
